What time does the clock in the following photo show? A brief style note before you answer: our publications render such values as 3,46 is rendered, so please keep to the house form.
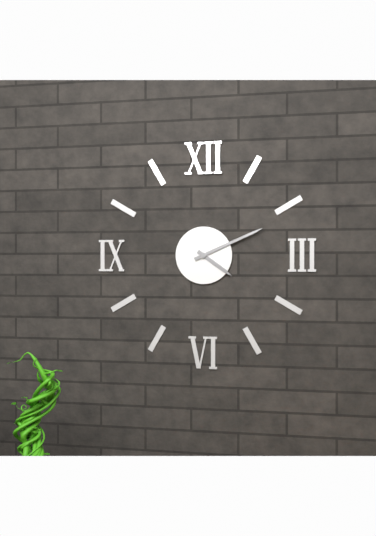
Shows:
4,11
